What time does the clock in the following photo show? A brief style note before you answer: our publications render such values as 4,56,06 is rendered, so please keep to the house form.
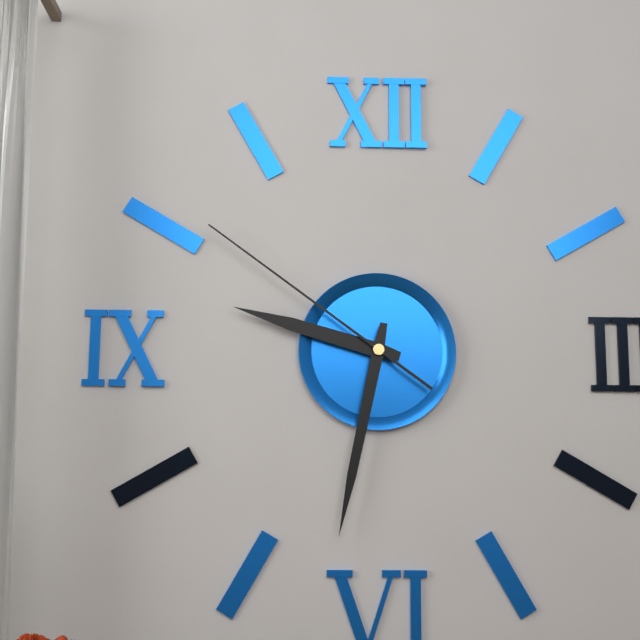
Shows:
9,32,51
